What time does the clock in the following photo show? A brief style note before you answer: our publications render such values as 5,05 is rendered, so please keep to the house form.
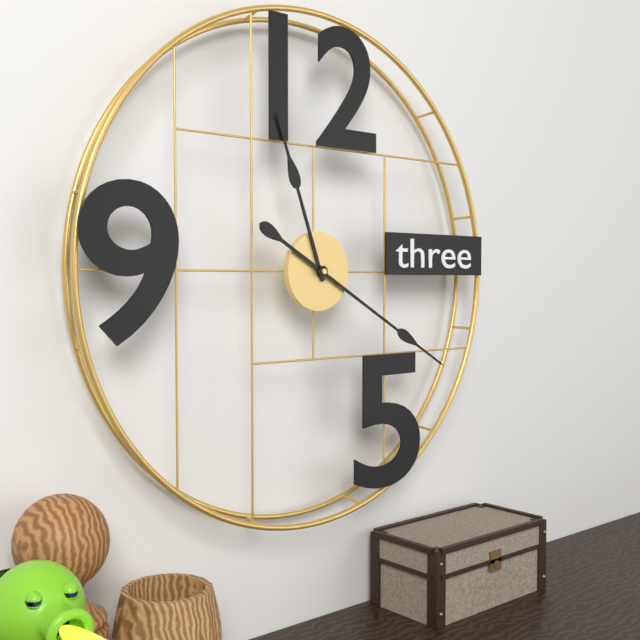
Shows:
11,20
